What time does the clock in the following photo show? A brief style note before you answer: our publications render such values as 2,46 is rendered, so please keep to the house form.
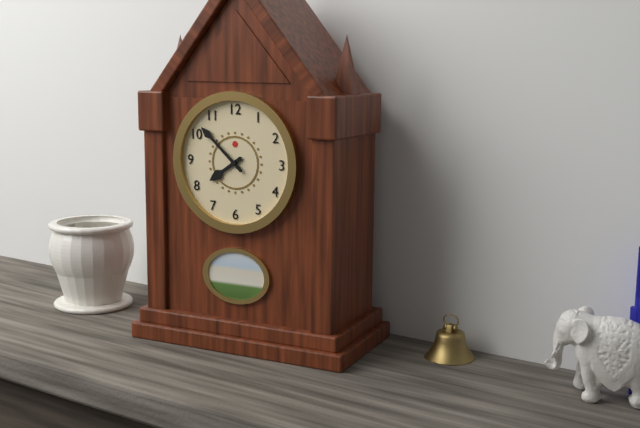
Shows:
7,52
